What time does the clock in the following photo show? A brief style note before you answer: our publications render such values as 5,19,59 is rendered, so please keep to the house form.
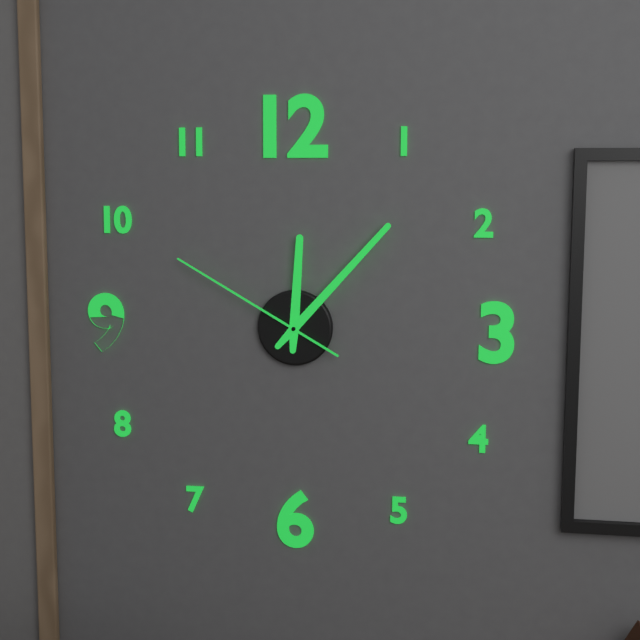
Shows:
12,07,50
